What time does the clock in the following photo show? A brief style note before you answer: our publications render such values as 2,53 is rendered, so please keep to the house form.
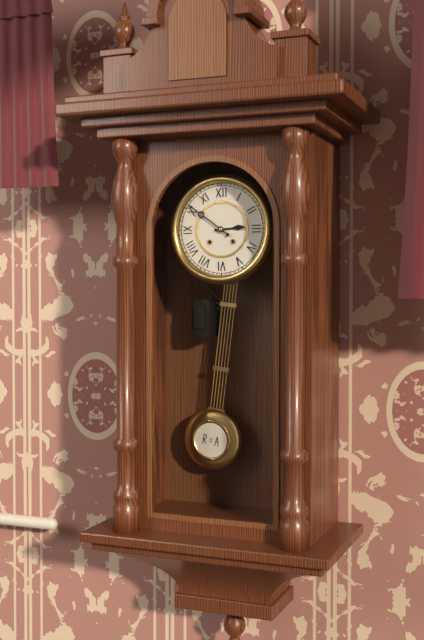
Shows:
2,51
